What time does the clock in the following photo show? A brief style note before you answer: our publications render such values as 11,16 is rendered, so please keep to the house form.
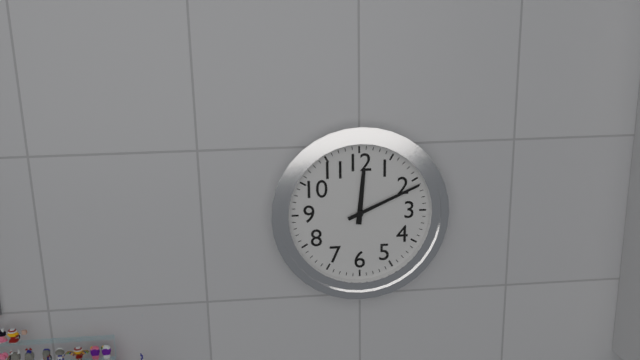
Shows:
12,11
